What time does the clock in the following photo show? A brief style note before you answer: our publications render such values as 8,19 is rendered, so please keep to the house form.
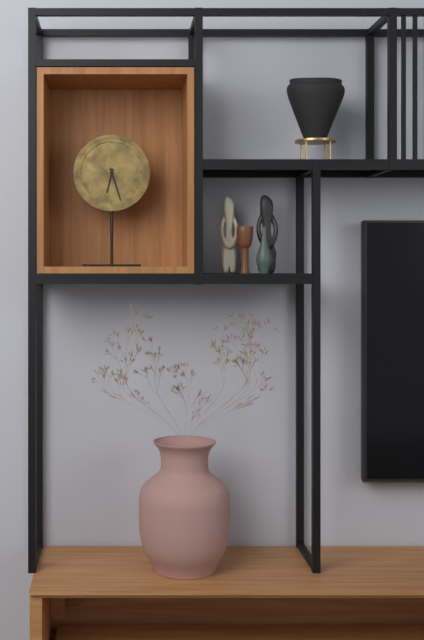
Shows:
6,27
